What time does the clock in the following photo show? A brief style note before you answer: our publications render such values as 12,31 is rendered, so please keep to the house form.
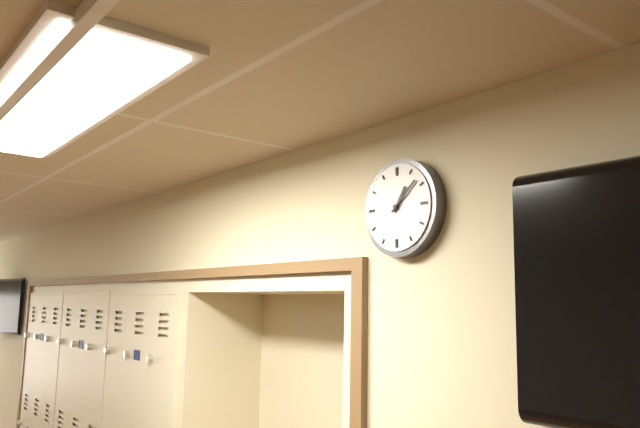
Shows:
1,08
